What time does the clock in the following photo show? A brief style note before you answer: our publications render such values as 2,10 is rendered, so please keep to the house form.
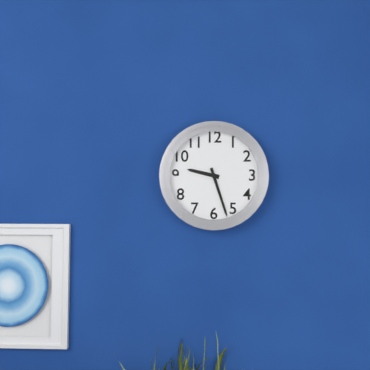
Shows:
9,27
